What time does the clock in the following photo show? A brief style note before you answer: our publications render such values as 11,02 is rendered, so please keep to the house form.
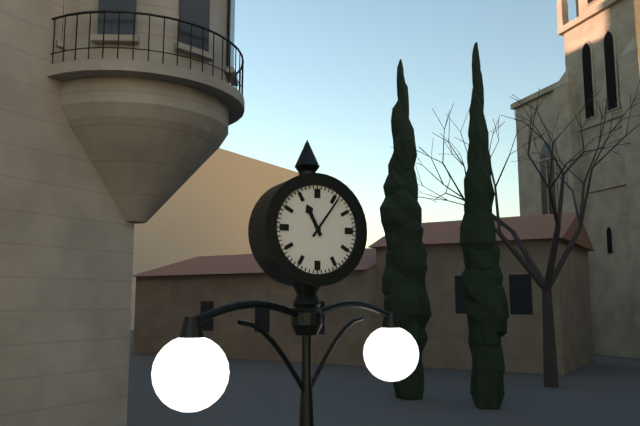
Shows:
11,06
